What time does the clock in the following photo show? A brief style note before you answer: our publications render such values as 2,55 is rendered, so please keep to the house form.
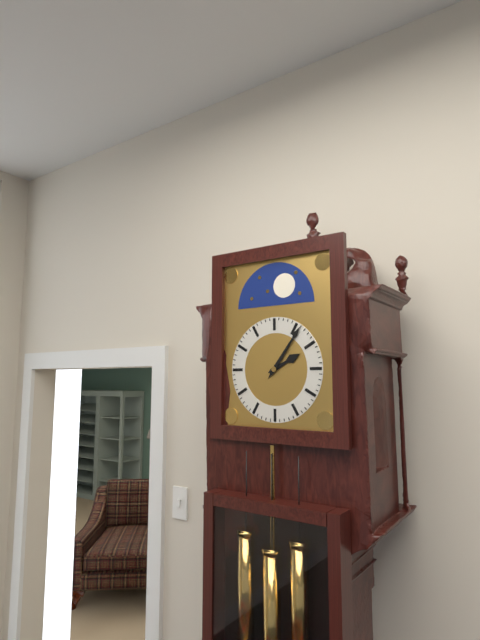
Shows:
2,06
